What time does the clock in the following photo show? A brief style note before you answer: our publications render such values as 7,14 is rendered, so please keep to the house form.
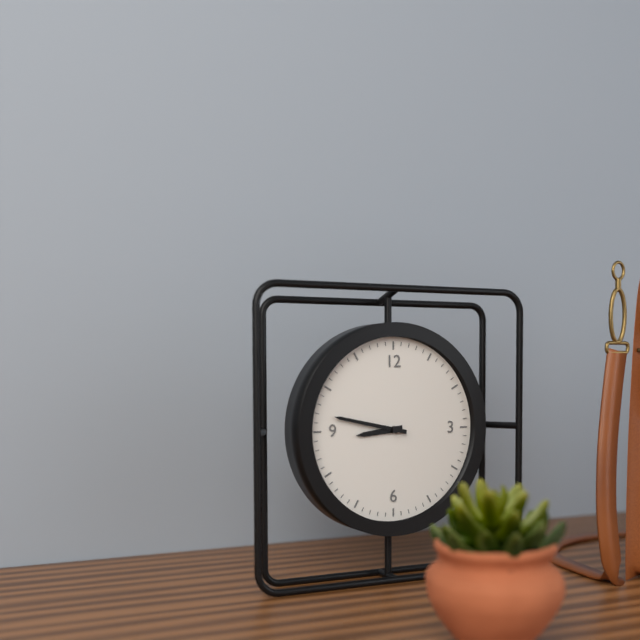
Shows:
8,47
